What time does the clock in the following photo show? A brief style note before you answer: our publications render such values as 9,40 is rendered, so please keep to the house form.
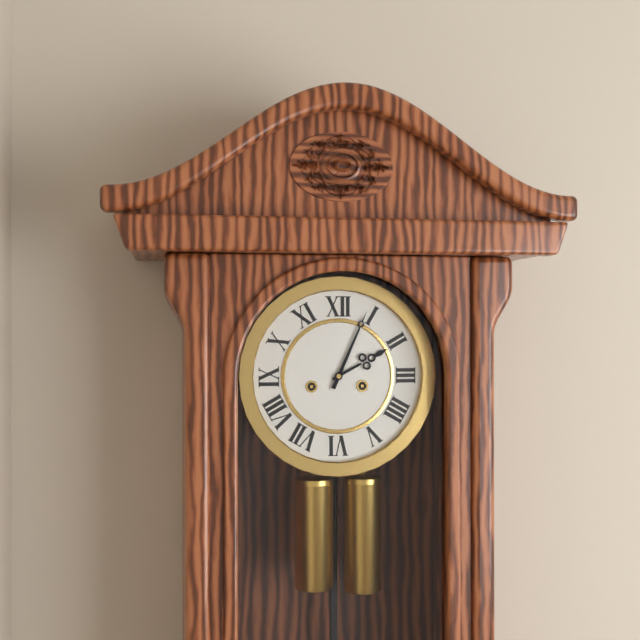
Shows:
2,04
